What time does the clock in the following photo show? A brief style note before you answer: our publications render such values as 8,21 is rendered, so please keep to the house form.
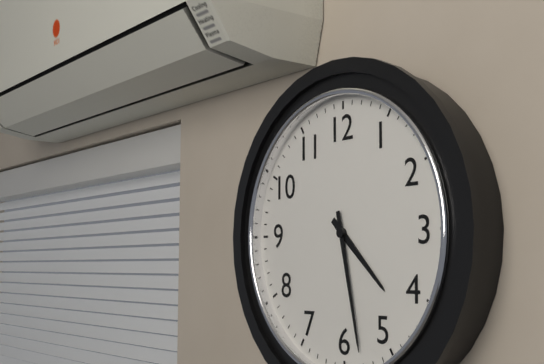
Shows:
4,28
